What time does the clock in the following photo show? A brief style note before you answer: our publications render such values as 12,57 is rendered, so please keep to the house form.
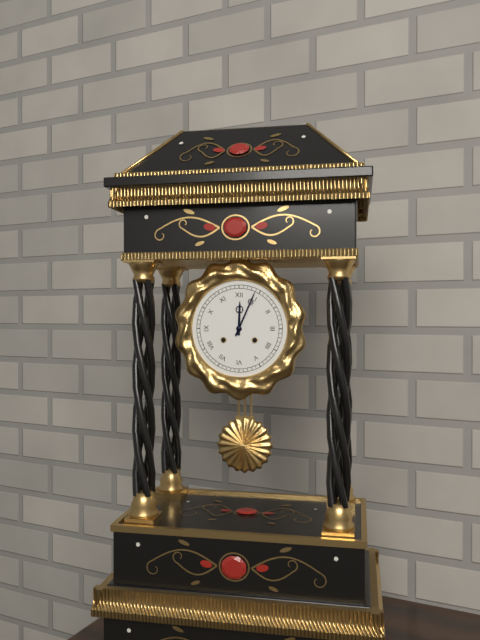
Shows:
12,04
